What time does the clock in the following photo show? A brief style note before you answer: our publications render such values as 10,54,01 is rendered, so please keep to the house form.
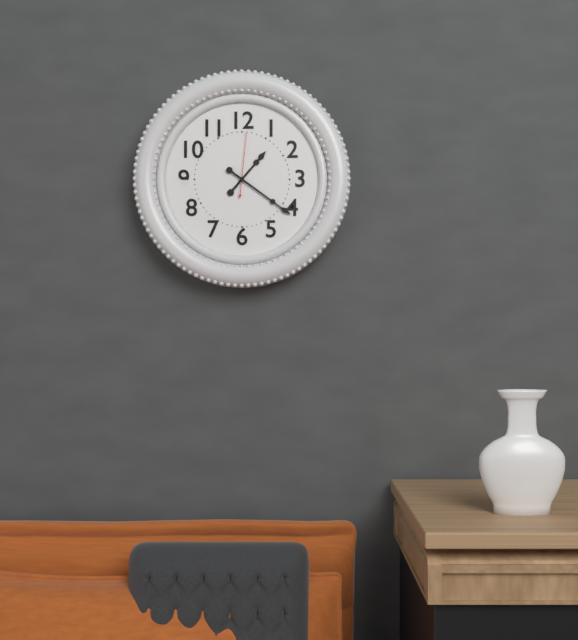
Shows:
1,21,01
